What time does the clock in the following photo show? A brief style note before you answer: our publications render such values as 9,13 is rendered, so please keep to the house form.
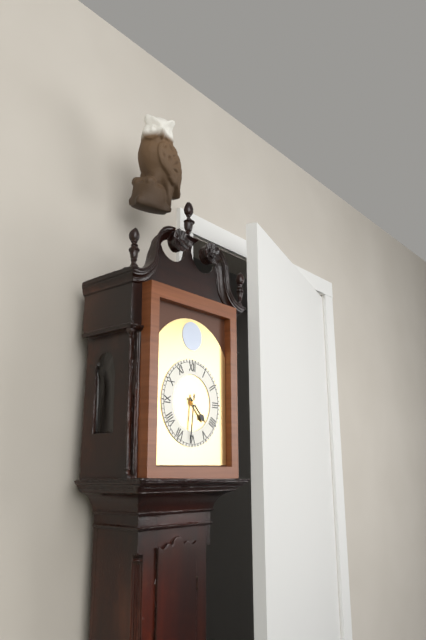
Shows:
4,31
